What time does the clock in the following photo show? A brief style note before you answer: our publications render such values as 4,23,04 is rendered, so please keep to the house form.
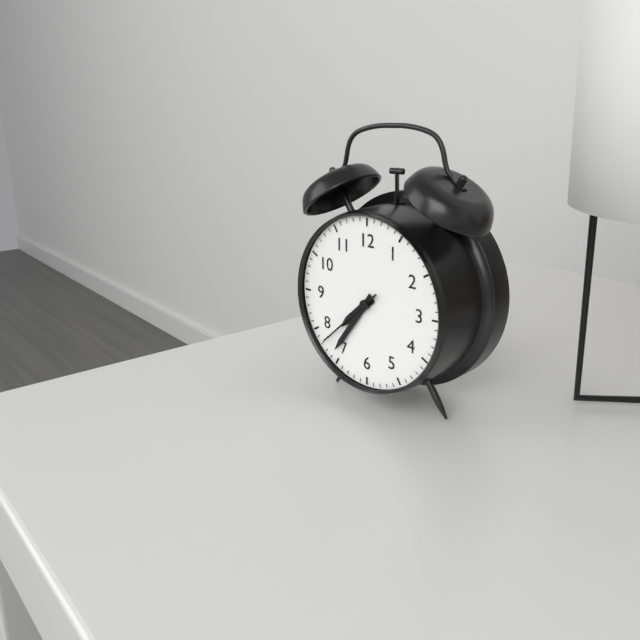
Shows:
7,36,38
